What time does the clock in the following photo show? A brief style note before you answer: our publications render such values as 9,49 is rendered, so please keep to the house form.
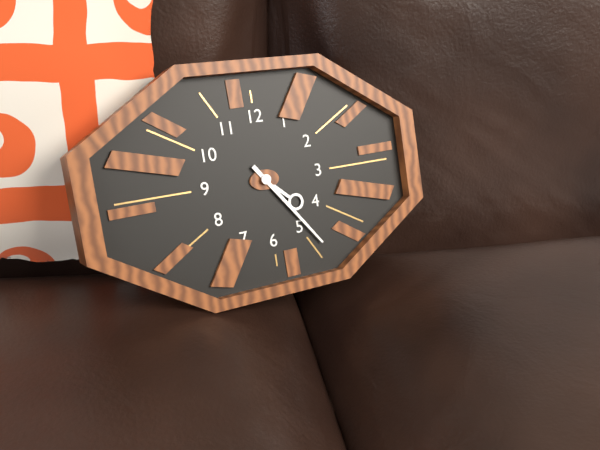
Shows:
4,24
